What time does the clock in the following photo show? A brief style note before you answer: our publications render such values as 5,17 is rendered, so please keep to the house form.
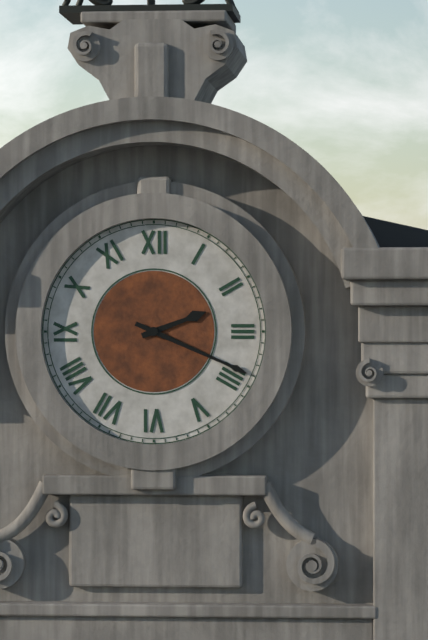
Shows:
2,19
